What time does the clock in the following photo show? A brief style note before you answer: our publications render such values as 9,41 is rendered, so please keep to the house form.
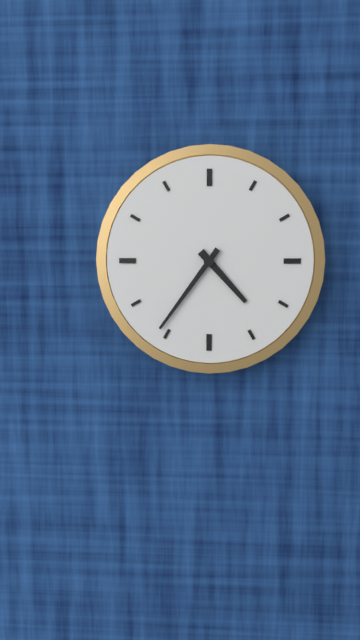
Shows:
4,36
